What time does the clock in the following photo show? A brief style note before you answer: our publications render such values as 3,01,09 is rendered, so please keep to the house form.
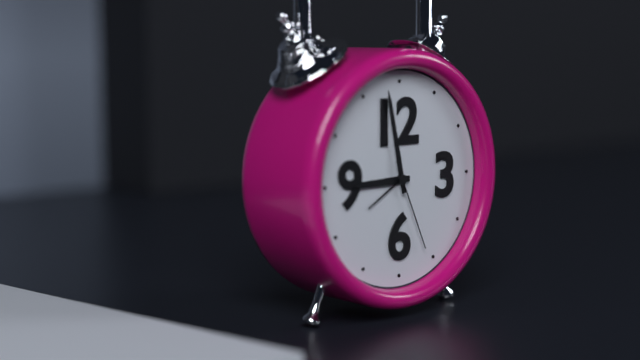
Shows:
8,58,26
